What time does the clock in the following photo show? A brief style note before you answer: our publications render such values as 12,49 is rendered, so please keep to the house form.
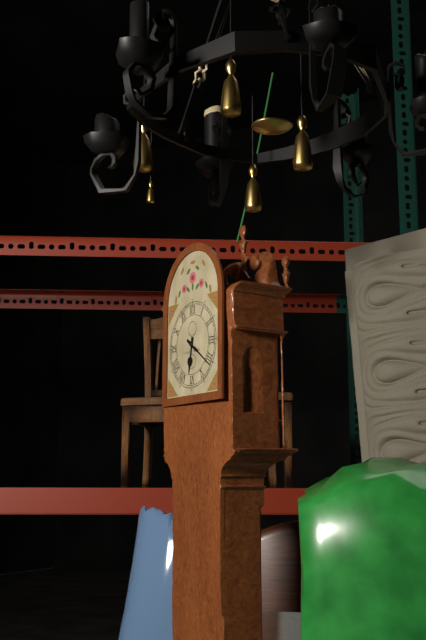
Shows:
6,21
